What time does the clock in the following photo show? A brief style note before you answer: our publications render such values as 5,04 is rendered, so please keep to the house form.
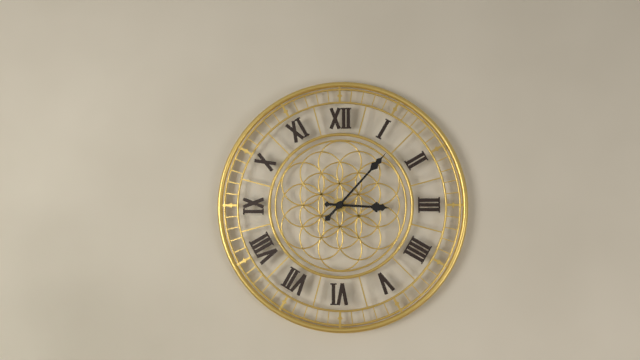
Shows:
3,07
